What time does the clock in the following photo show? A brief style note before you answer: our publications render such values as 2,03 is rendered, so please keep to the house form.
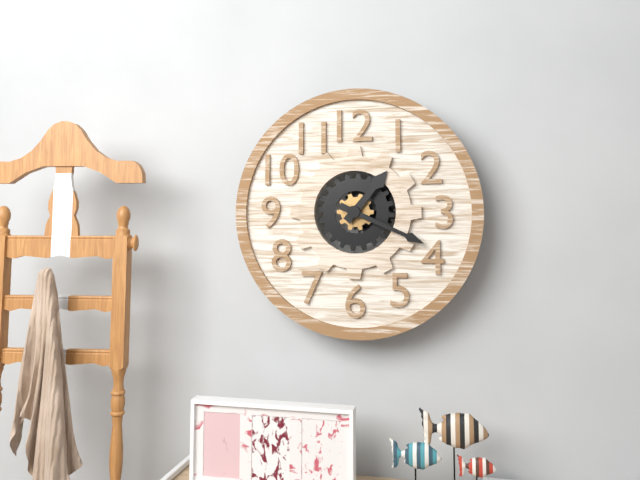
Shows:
1,19
